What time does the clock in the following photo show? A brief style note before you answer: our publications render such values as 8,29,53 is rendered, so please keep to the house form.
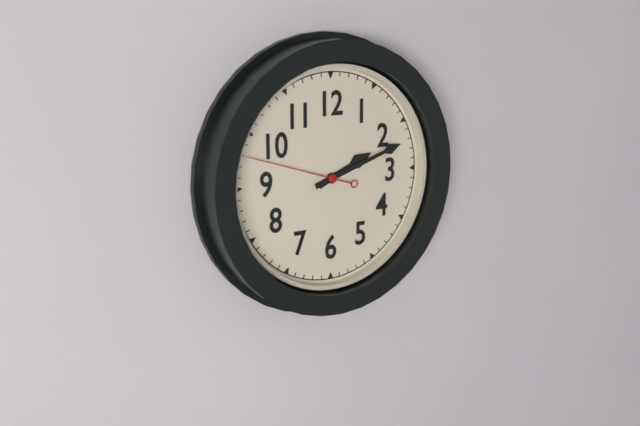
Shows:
2,12,48
